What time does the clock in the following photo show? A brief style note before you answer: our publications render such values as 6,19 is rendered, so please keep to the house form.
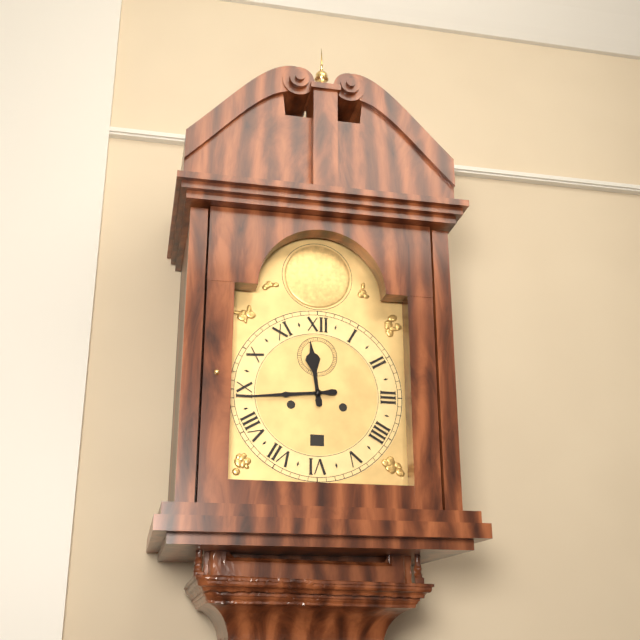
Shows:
11,44
